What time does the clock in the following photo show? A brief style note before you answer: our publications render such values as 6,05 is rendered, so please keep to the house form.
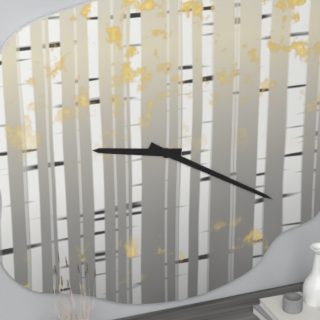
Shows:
9,20
